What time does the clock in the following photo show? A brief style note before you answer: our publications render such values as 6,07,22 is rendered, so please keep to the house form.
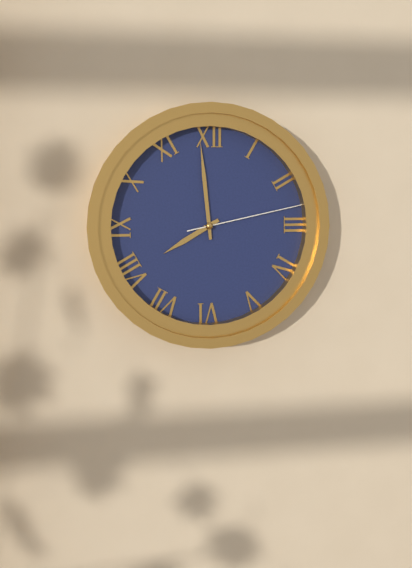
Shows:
7,59,13
